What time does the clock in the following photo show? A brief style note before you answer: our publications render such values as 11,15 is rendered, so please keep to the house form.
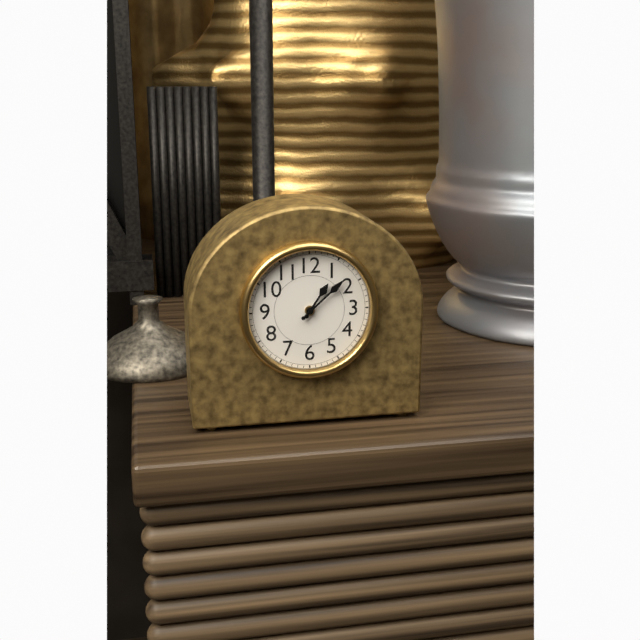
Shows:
1,08
